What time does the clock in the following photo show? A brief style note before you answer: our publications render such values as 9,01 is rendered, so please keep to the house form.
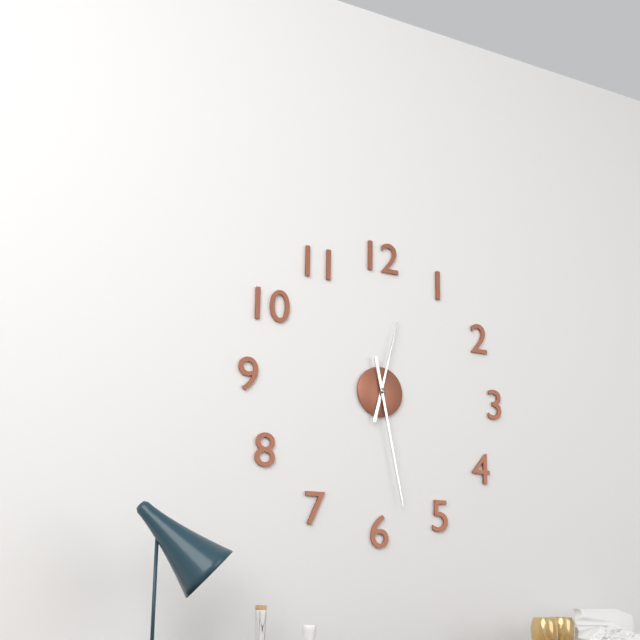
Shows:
12,28
